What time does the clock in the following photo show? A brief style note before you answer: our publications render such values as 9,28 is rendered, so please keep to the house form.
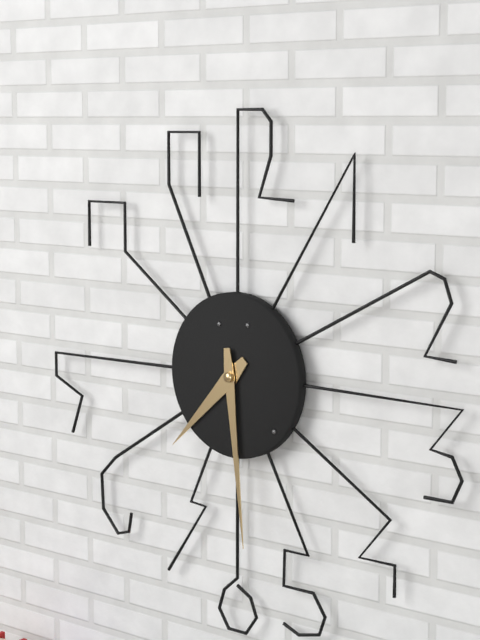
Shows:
7,29
